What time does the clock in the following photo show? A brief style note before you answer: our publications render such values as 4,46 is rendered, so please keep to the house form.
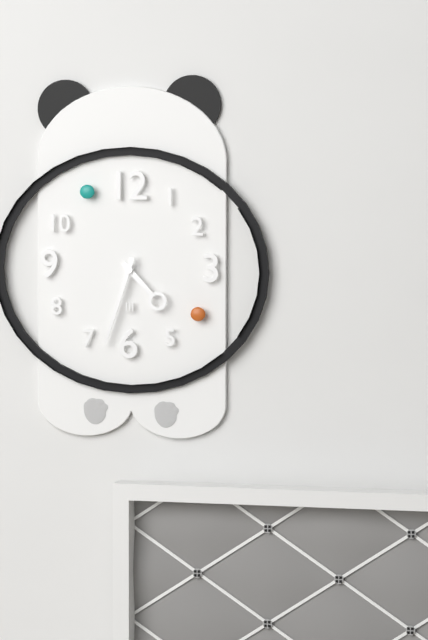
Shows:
4,33
